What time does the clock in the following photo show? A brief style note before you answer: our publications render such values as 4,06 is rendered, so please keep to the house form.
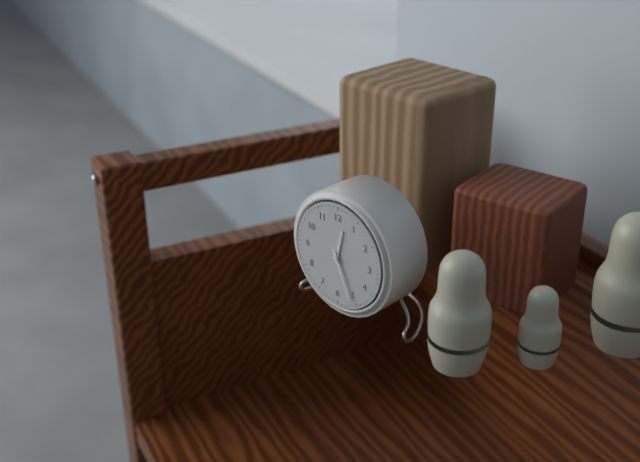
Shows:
12,26
